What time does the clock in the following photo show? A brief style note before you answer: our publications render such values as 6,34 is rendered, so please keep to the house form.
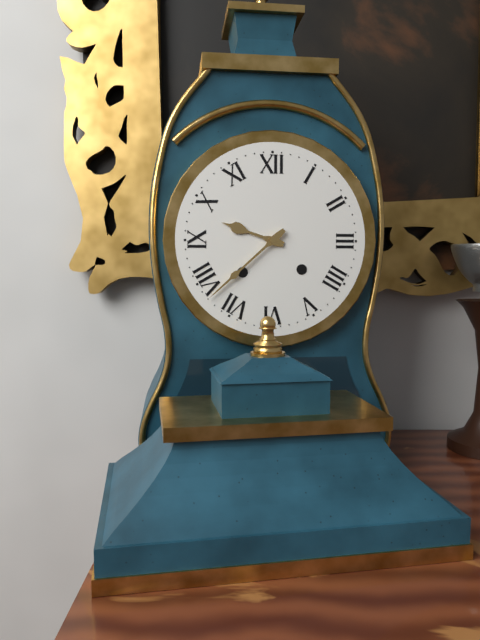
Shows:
9,38
